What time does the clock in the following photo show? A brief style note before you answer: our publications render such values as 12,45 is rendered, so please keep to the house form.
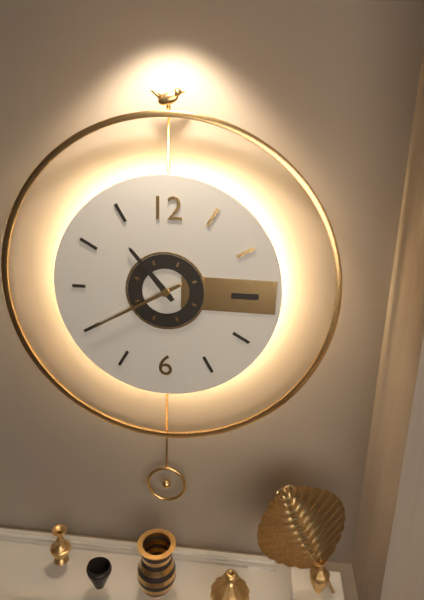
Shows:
10,40
